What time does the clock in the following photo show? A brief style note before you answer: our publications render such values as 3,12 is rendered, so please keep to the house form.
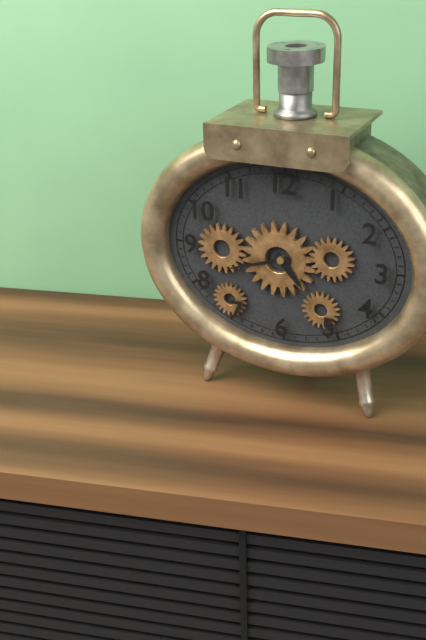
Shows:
4,42
